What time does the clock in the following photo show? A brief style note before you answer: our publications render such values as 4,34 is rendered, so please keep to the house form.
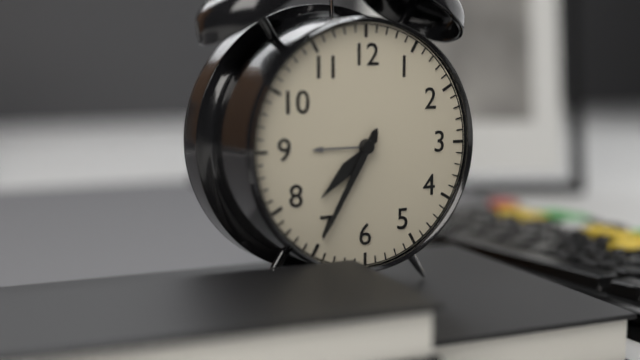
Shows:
7,35
